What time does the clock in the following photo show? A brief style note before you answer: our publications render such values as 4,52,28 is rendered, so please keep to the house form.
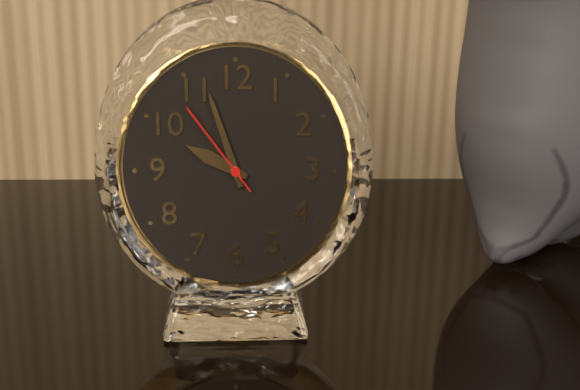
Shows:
9,57,54
